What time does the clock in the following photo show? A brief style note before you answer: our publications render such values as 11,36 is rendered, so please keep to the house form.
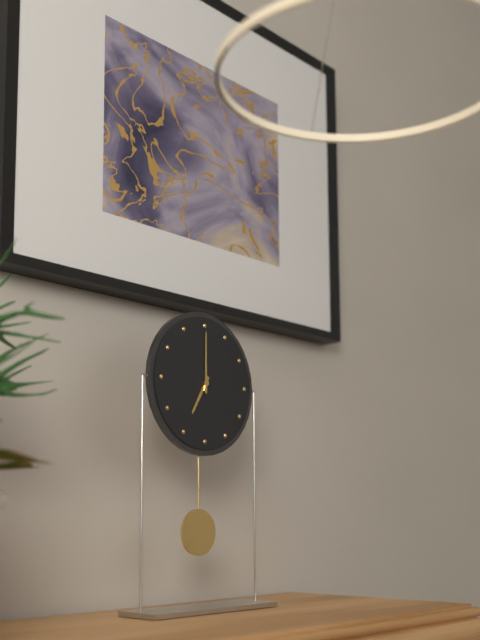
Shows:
7,00
